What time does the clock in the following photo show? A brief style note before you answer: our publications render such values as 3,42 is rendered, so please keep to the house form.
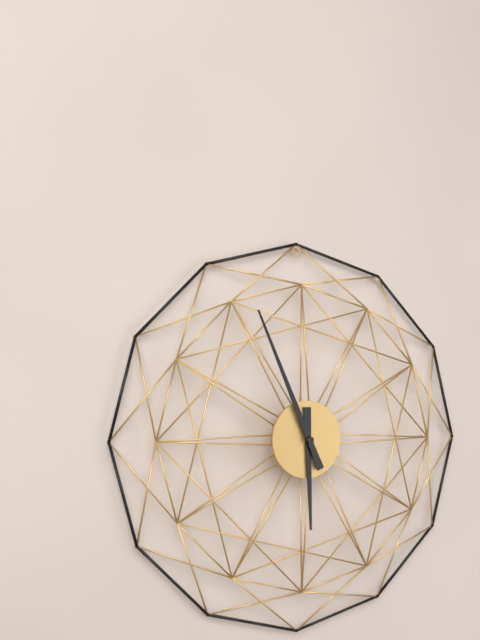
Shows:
5,56
